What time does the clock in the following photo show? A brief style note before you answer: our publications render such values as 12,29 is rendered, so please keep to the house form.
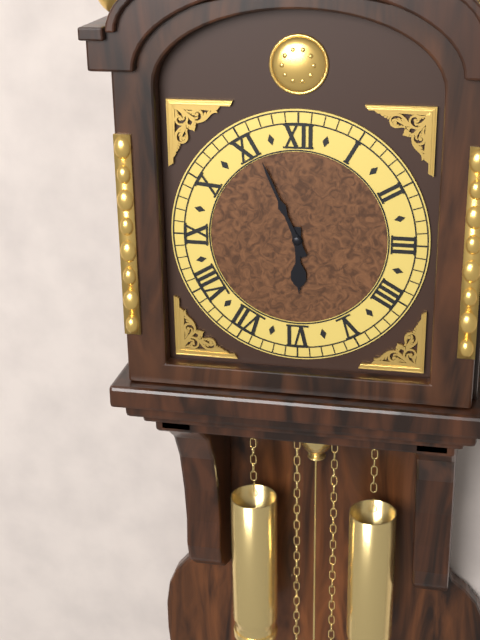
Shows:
5,56
